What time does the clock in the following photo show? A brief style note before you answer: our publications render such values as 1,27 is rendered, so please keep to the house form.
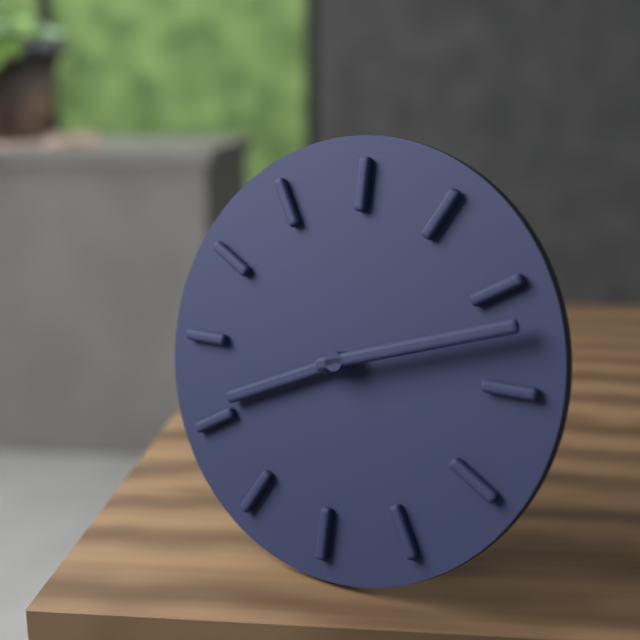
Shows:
8,12
